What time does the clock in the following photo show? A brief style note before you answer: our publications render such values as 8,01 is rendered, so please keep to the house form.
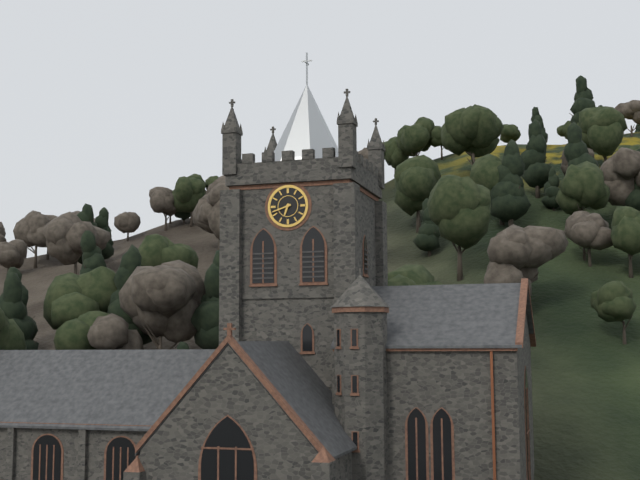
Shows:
6,42
